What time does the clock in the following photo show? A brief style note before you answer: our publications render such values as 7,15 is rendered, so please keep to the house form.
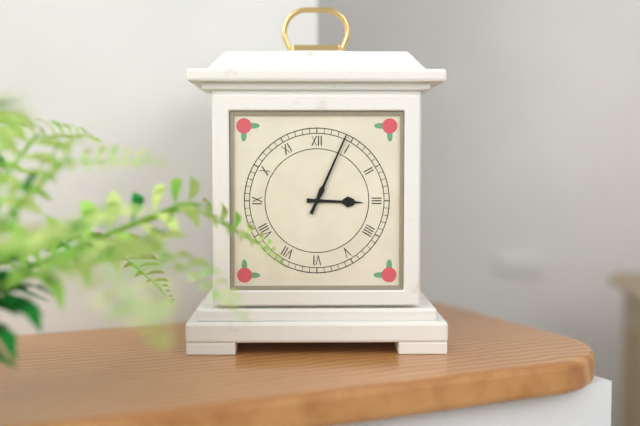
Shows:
3,04
